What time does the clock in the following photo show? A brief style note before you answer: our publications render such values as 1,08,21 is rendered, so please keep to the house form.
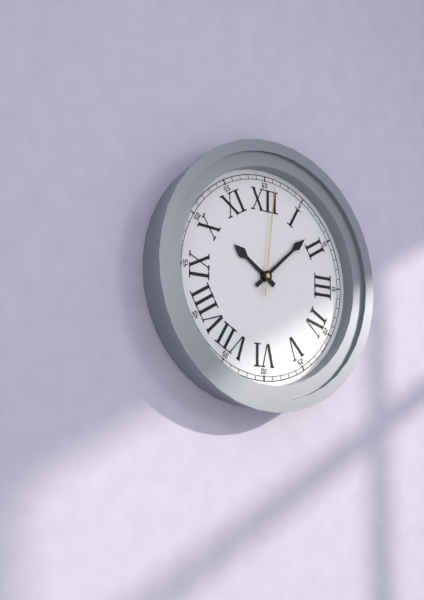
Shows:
10,08,01
